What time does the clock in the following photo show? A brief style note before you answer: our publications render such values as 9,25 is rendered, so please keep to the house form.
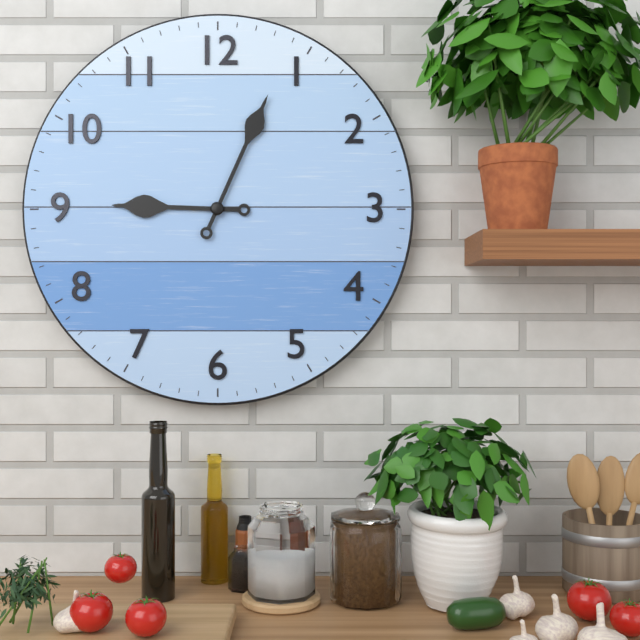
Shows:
9,04
